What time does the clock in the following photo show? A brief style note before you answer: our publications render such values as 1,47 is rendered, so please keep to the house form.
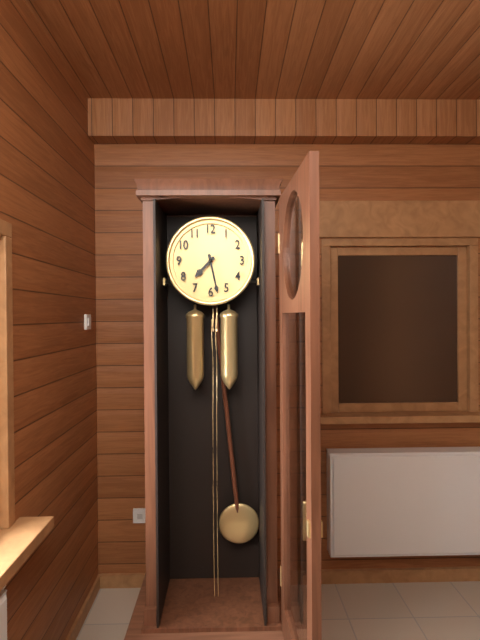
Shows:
7,28
